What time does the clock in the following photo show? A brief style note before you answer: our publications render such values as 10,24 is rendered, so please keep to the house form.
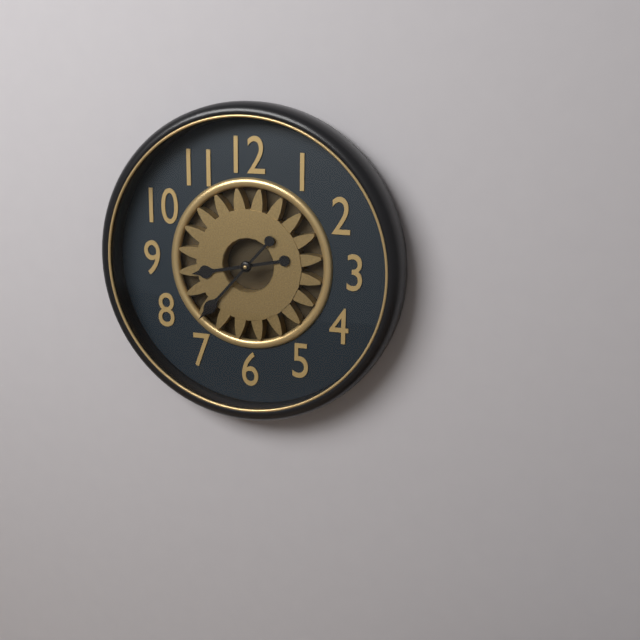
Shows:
8,37
